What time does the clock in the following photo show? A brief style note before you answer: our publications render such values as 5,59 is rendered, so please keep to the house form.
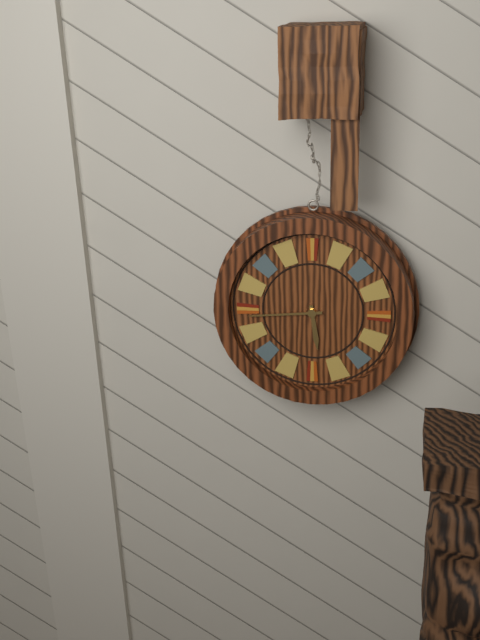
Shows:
5,44
